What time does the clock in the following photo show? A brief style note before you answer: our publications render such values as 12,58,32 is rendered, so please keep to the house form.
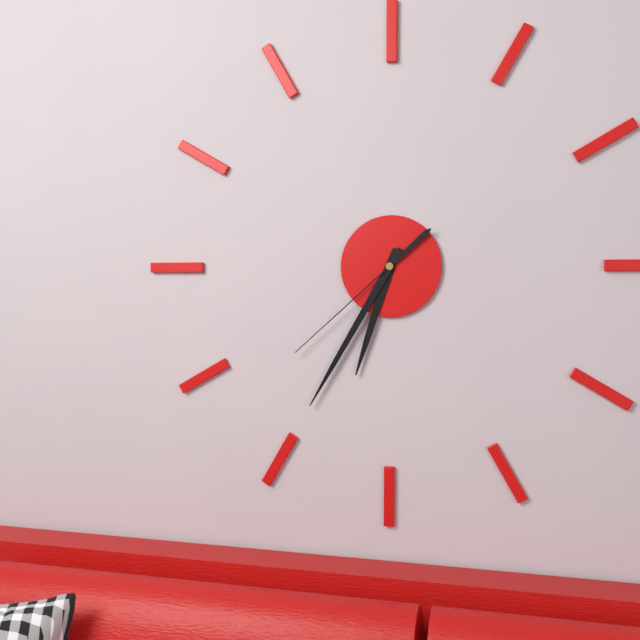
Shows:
6,35,38
